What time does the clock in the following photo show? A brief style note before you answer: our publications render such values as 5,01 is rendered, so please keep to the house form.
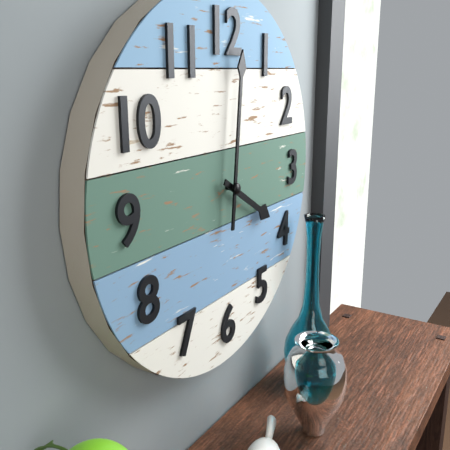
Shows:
4,01
